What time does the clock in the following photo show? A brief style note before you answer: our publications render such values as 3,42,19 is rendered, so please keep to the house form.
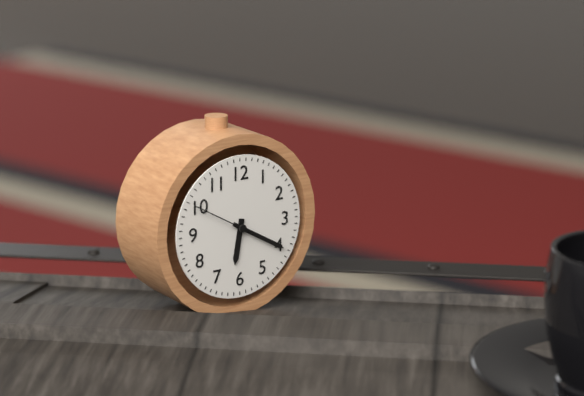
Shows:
6,20,50
